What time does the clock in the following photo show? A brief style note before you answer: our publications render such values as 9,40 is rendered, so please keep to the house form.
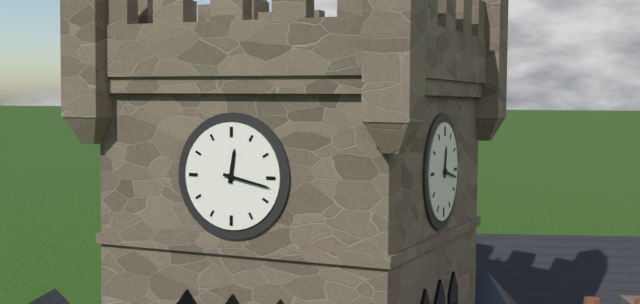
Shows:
12,17
